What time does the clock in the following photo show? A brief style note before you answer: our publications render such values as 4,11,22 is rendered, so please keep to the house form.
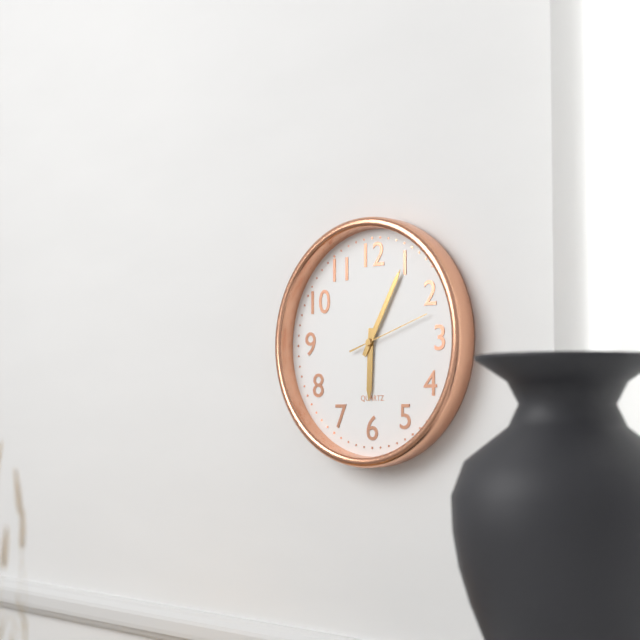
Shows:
6,05,12
